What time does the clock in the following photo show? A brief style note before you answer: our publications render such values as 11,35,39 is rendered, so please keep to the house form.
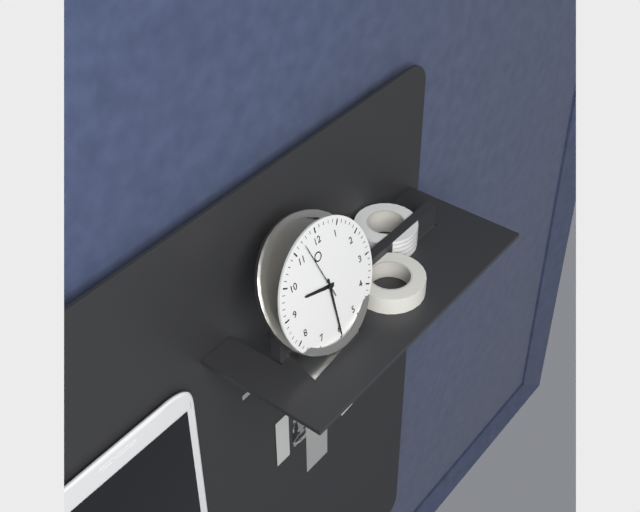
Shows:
9,30,57
